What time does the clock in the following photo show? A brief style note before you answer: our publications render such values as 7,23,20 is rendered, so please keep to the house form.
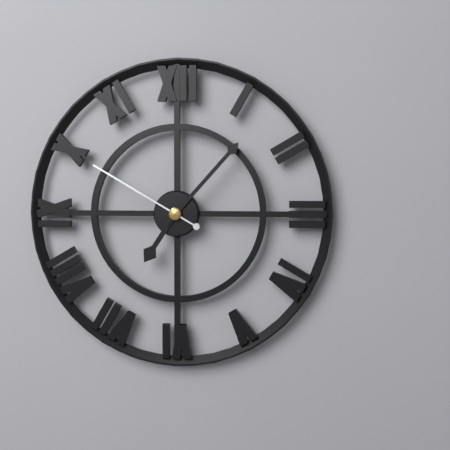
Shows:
7,07,50
